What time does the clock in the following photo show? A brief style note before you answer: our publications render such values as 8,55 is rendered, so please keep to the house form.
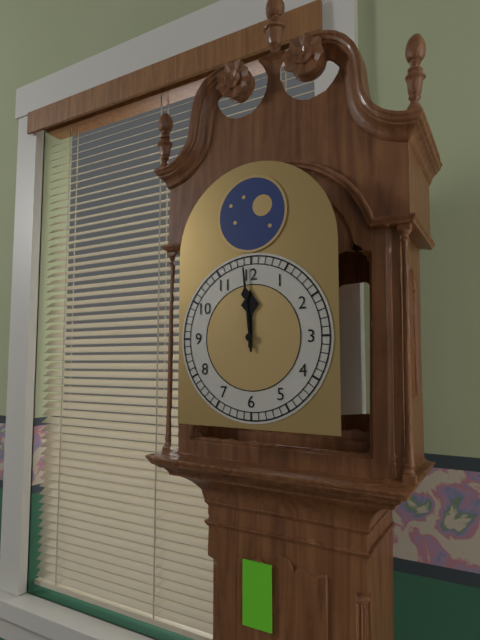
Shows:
11,59
